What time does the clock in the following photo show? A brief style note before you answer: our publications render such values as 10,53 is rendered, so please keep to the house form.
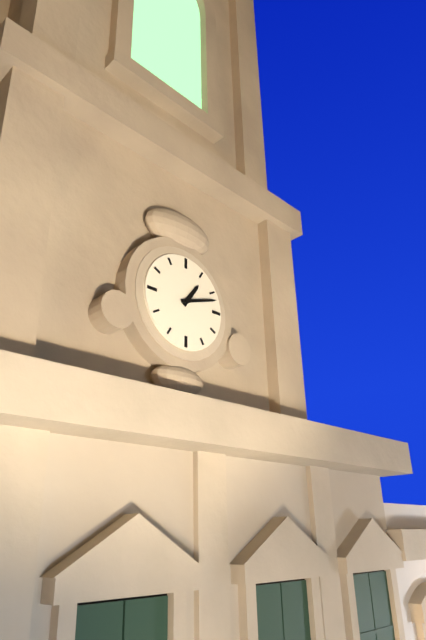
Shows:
1,12
